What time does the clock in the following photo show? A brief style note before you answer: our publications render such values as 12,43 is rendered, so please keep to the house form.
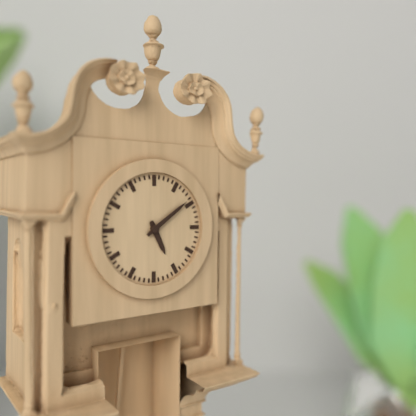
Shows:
5,09
